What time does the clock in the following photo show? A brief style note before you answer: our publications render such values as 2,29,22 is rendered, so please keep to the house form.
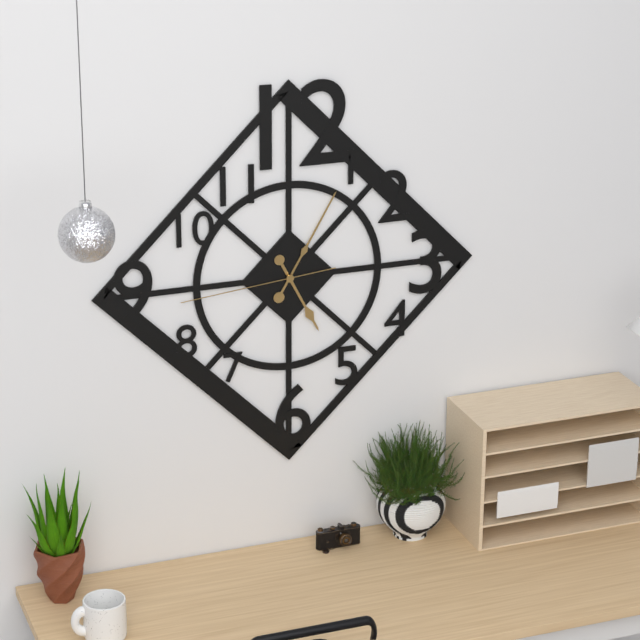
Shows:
5,05,44
